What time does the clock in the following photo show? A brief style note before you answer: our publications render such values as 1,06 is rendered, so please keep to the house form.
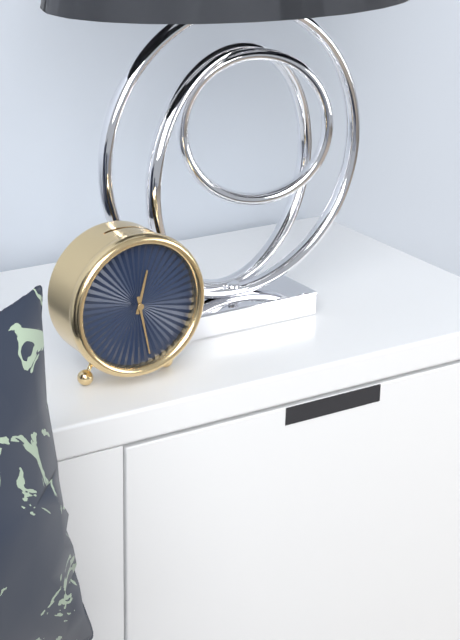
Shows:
12,28
